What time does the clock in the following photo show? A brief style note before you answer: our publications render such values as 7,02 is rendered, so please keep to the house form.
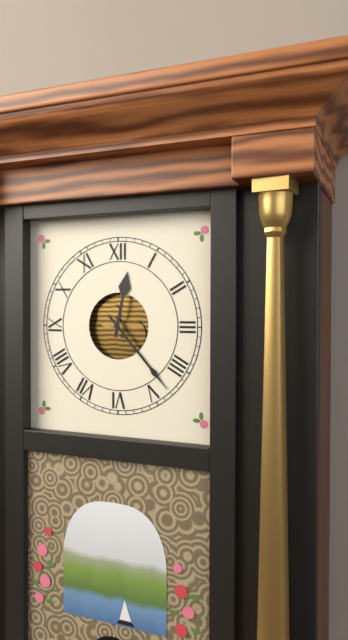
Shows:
12,23
